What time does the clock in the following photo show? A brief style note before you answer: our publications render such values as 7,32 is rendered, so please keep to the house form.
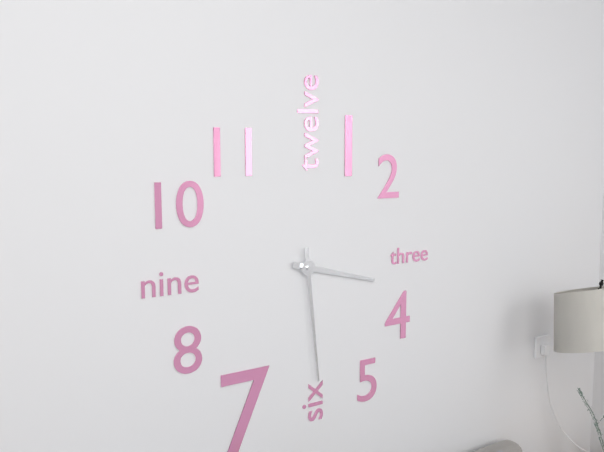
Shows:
3,29
